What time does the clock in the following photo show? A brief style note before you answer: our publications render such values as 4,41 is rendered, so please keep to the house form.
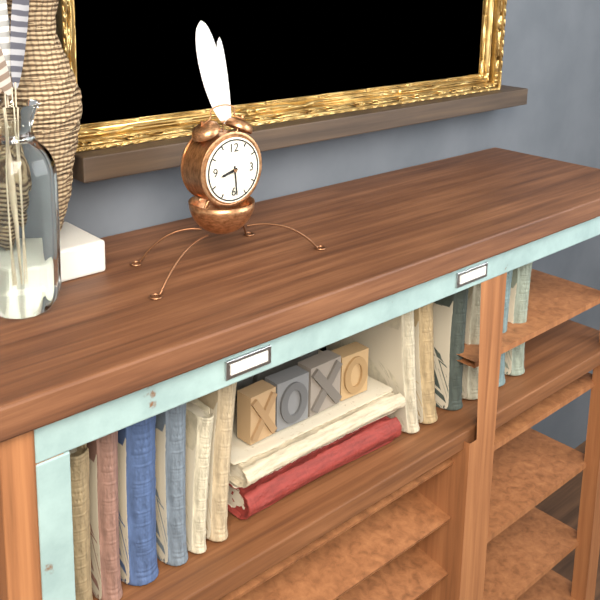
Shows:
8,29
